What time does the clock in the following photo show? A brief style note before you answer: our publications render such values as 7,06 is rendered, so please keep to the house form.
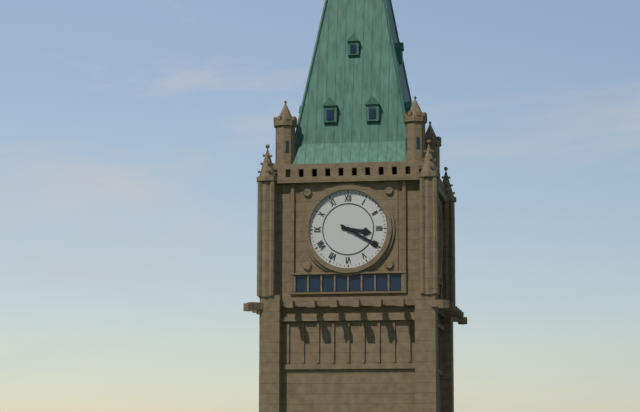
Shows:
3,20
